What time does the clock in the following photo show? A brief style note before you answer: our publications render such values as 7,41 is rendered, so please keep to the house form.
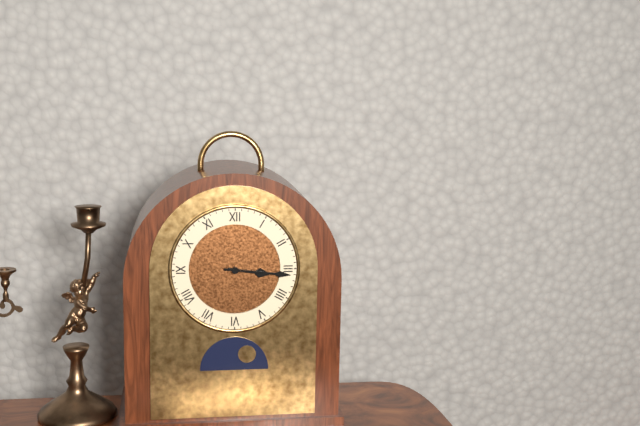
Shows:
3,16
